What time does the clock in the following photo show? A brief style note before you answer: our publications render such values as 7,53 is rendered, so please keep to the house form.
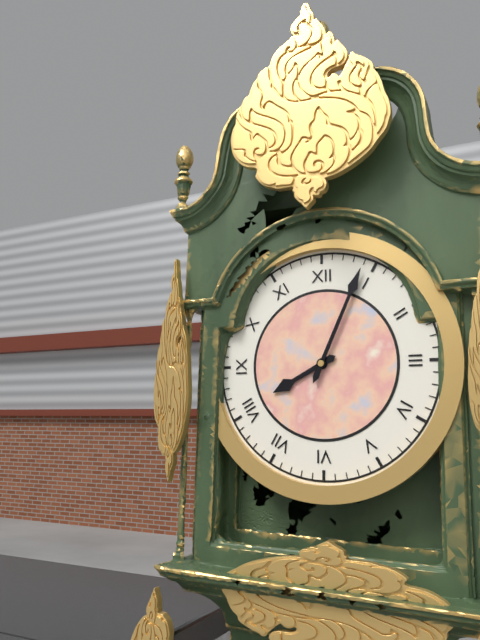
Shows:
8,04
